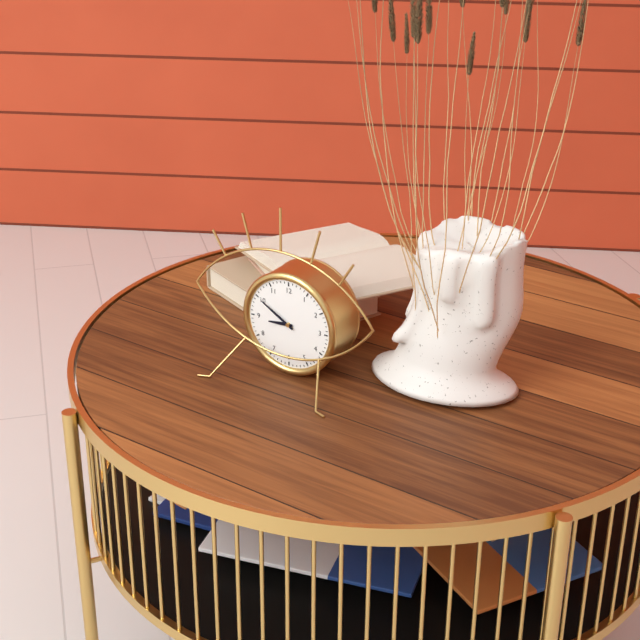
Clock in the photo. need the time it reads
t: 8:50
